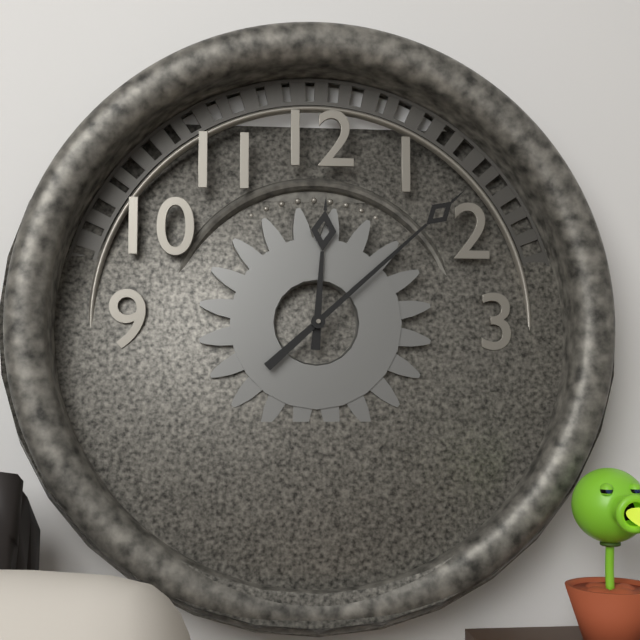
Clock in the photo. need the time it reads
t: 12:08
